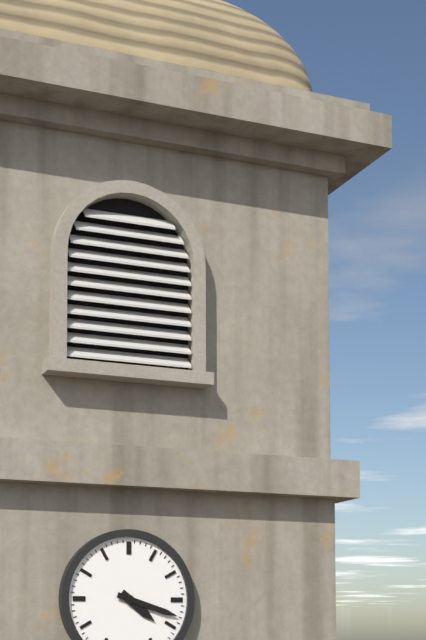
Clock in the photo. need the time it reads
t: 4:18
